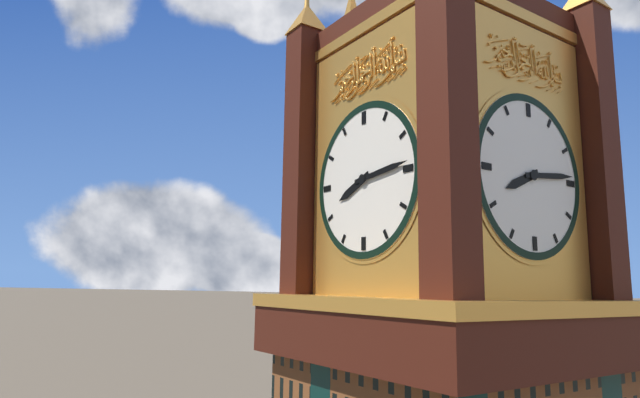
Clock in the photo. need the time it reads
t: 8:14
